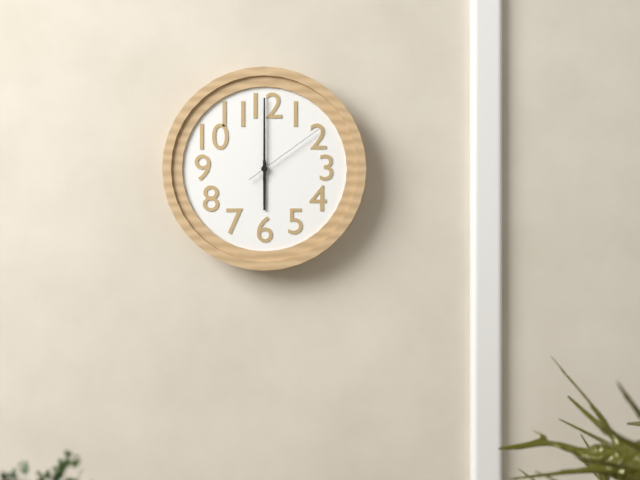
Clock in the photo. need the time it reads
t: 6:00:09
